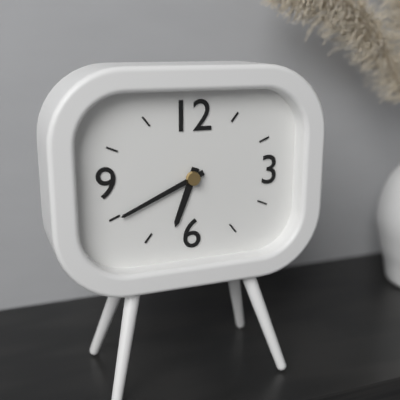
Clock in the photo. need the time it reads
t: 6:41
